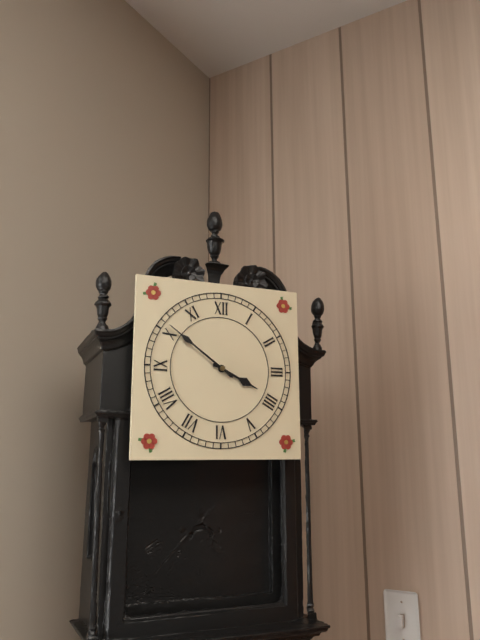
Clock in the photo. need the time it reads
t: 3:51
